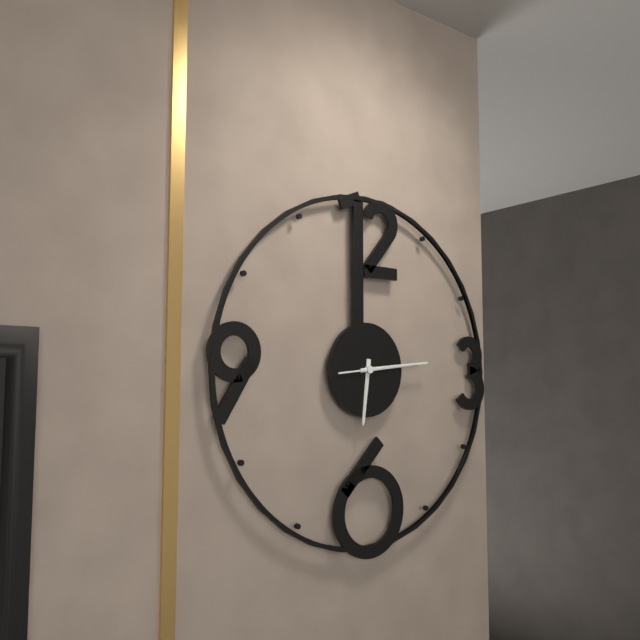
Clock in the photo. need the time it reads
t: 6:14:14
